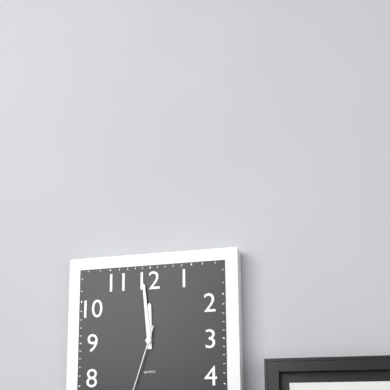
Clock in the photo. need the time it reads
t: 11:59
